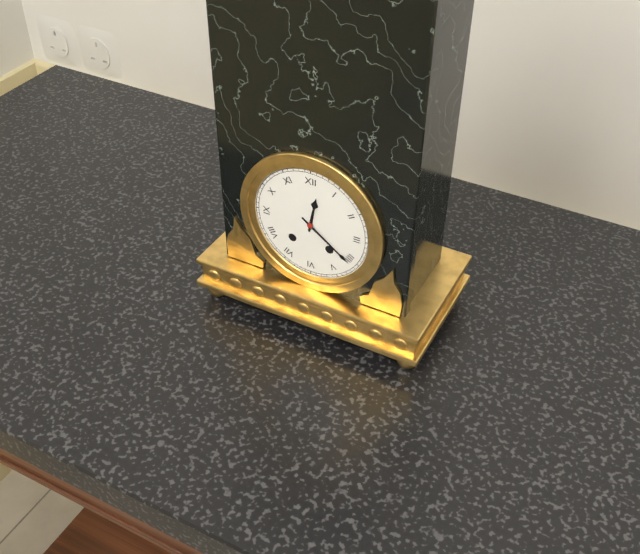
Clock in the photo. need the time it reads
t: 12:21
